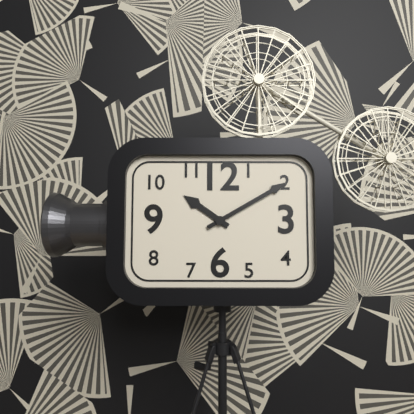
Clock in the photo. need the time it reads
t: 10:10
